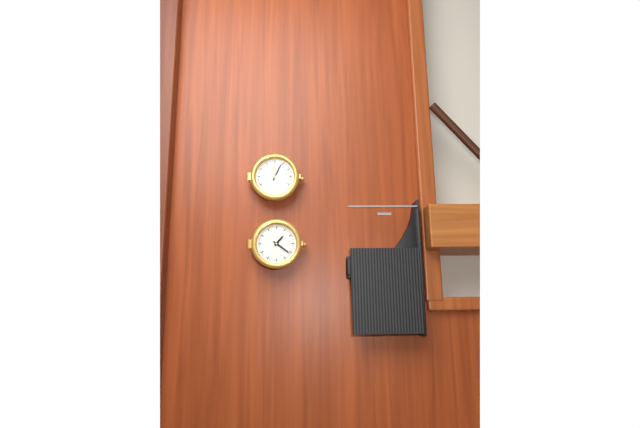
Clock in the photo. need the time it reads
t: 1:21
